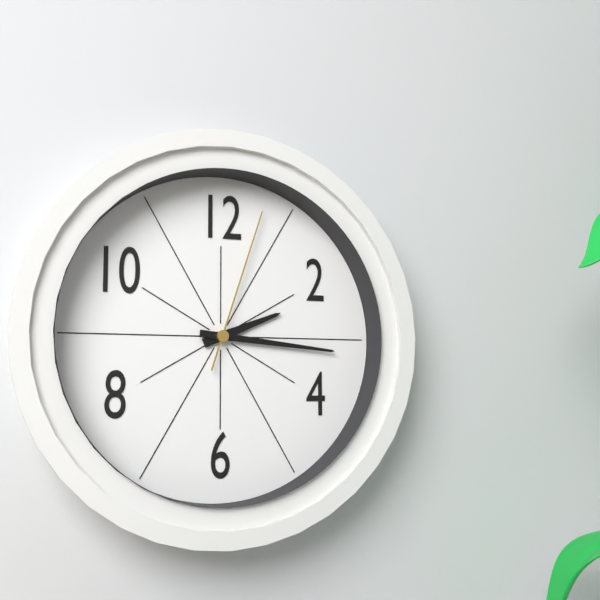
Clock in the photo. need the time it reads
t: 2:16:03
